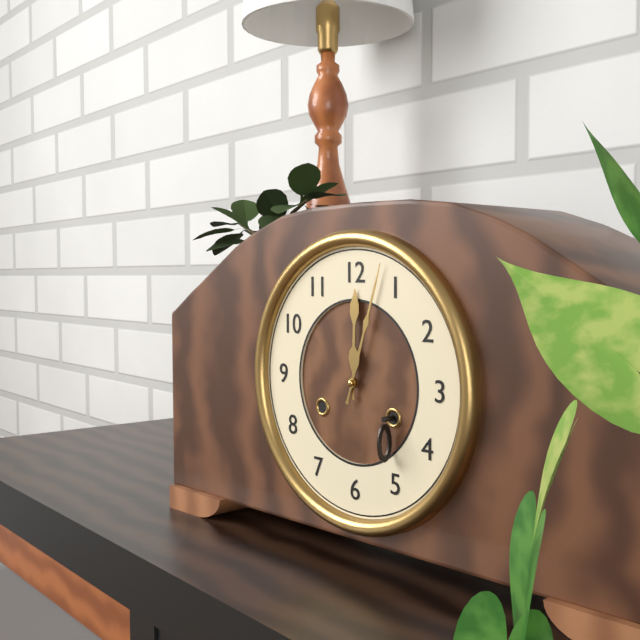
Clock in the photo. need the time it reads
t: 12:03
